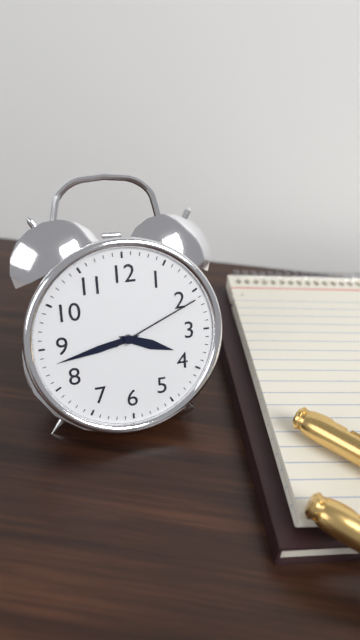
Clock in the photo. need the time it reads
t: 3:43:11
